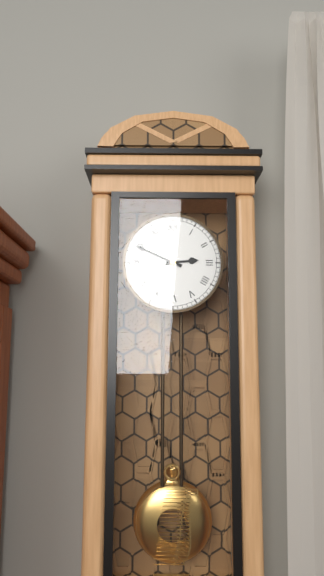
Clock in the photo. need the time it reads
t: 2:49
